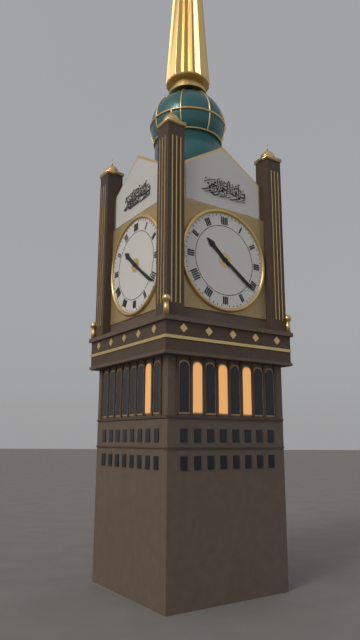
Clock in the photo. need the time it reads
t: 10:21
